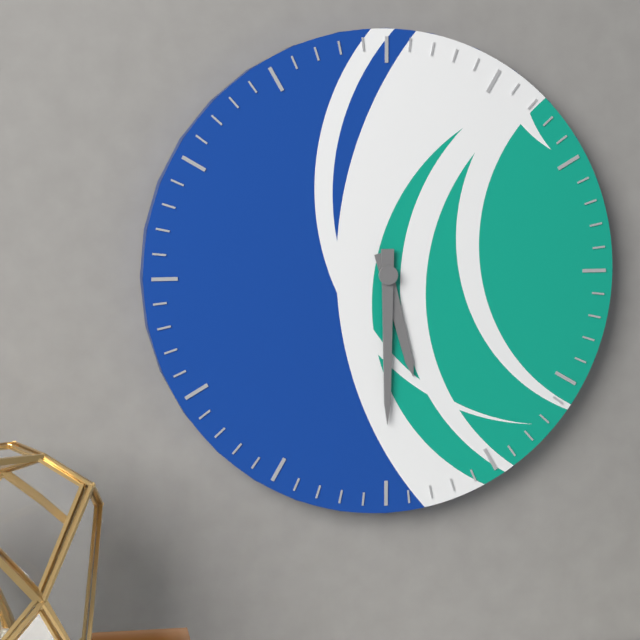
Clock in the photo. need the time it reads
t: 5:30
